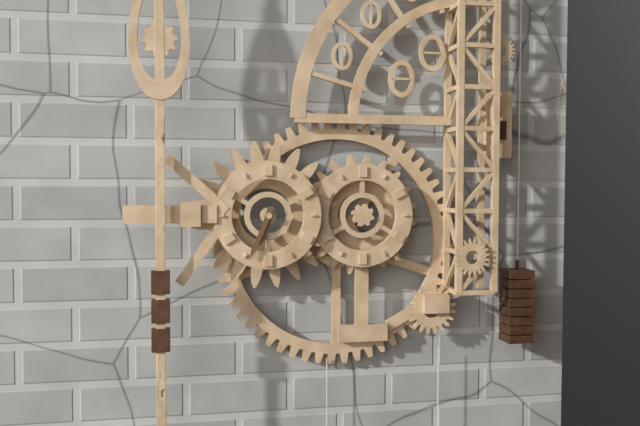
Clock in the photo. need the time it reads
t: 6:34
